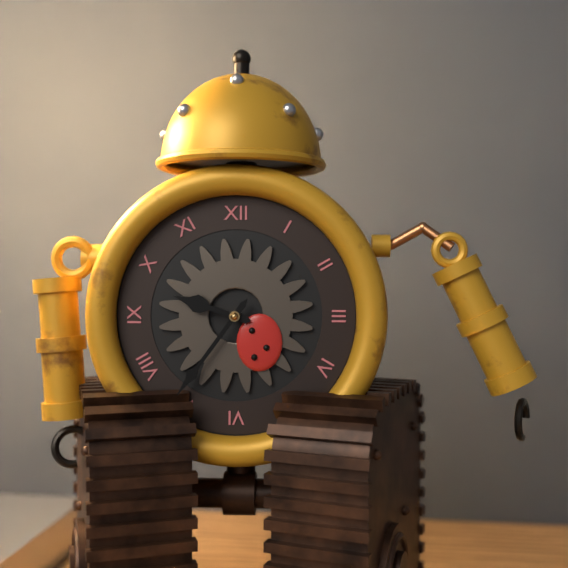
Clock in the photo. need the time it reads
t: 9:36
